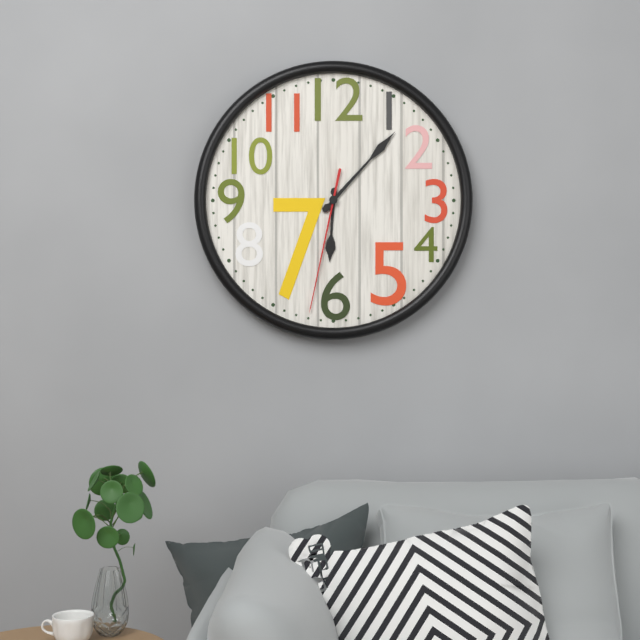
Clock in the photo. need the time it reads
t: 6:07:32
